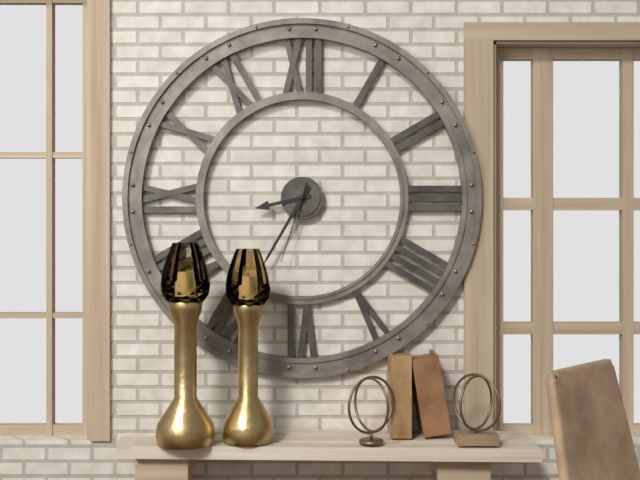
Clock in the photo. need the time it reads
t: 8:35:33
